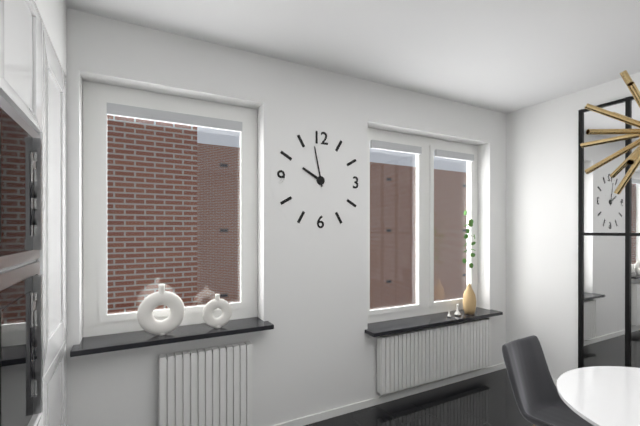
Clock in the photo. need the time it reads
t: 9:58
